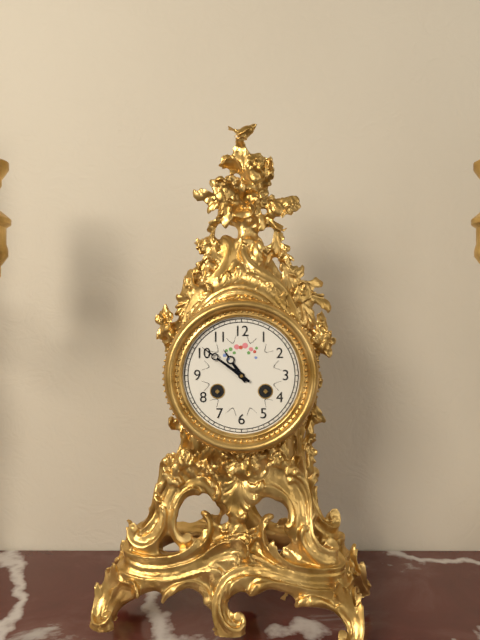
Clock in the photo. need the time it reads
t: 10:51
